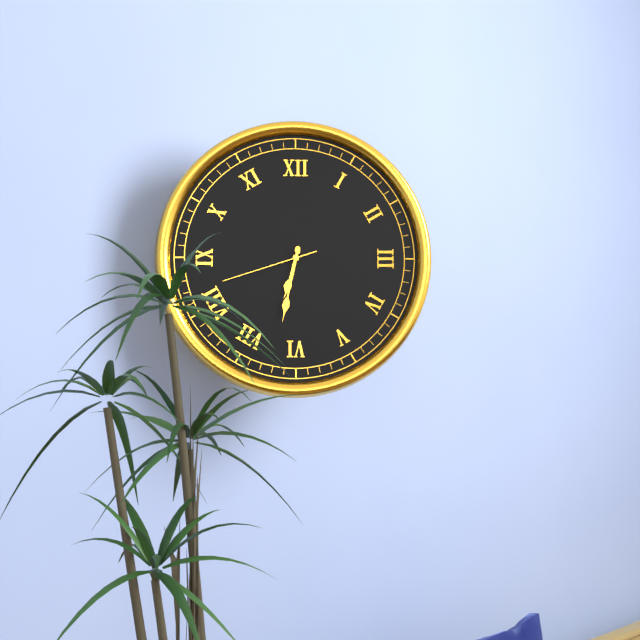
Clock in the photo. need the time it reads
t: 6:32:42
